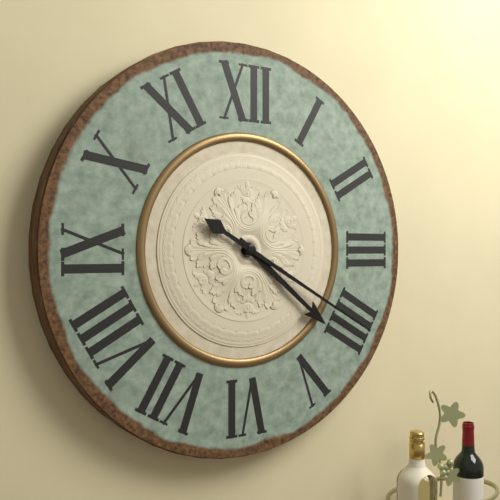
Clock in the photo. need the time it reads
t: 4:20
